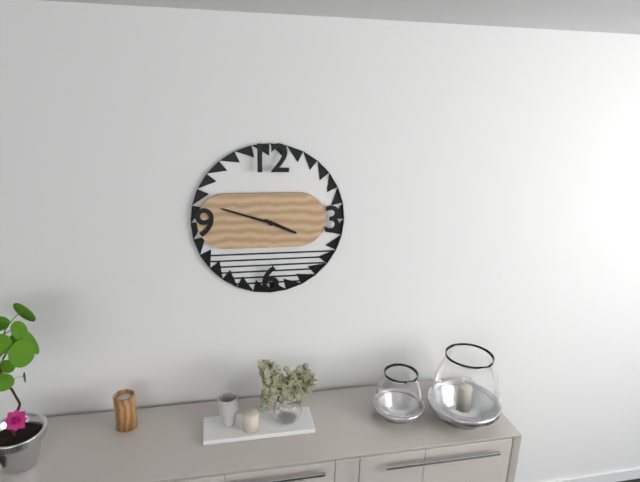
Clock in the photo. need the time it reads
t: 3:48
